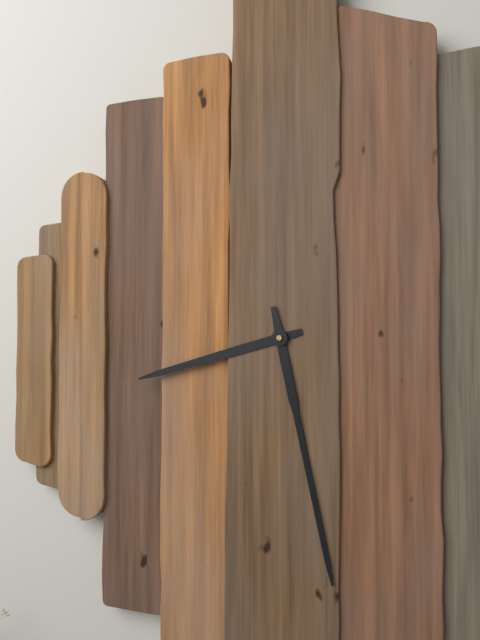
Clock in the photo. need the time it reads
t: 8:28
